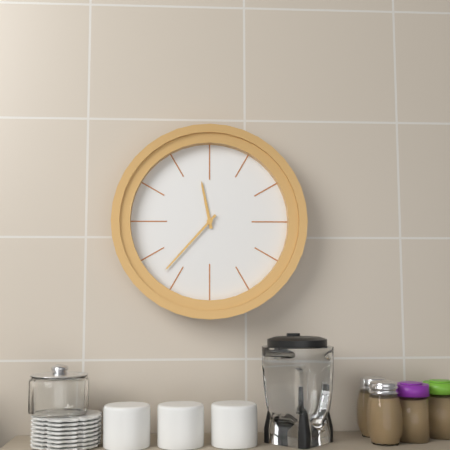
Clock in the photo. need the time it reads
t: 11:37
